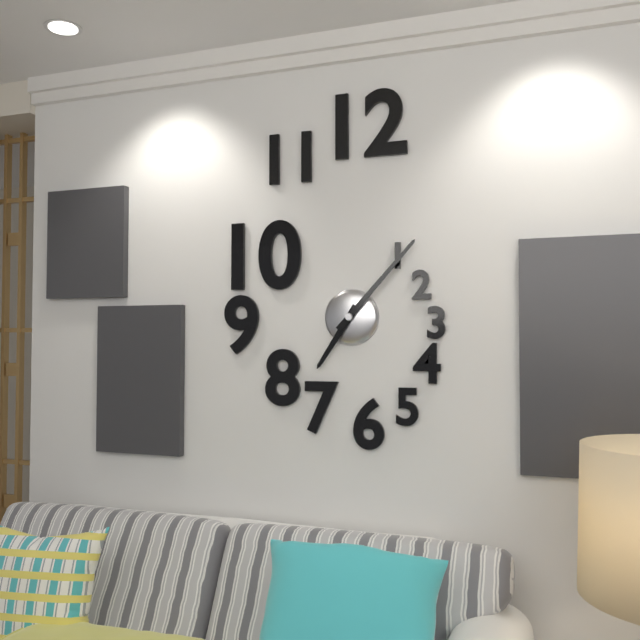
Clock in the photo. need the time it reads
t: 7:07
